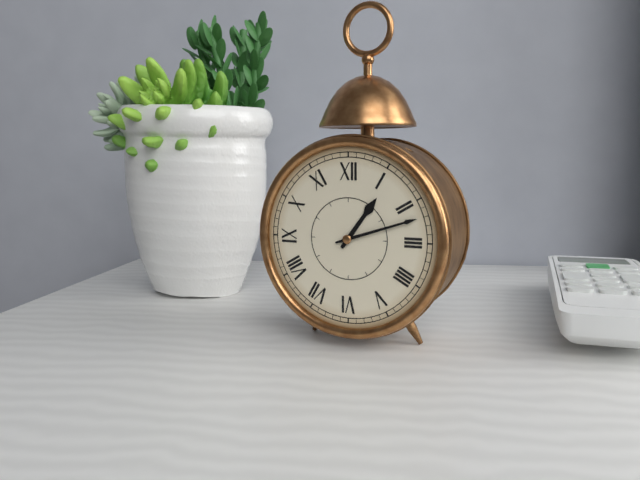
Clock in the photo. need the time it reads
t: 1:12
